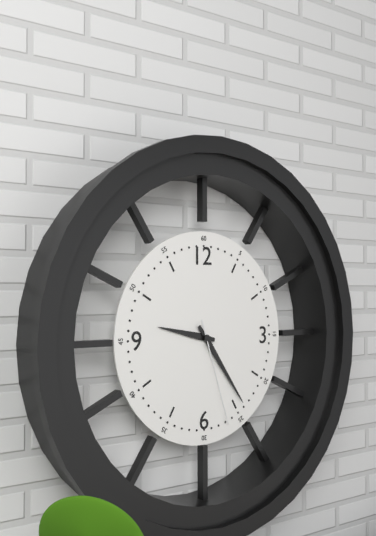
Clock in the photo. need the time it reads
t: 9:24:27
